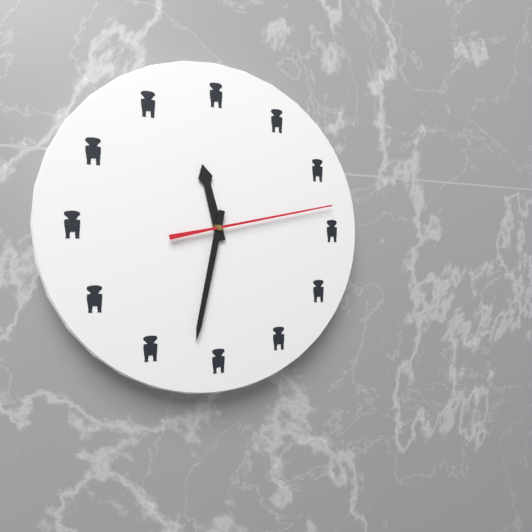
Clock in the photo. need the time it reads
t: 11:32:13
